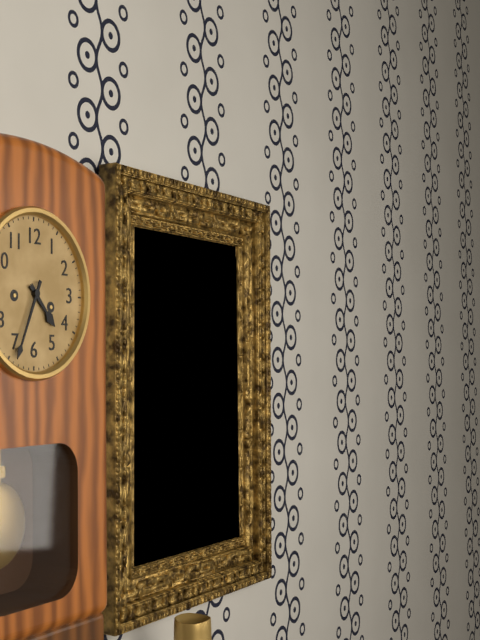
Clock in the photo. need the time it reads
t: 4:34
